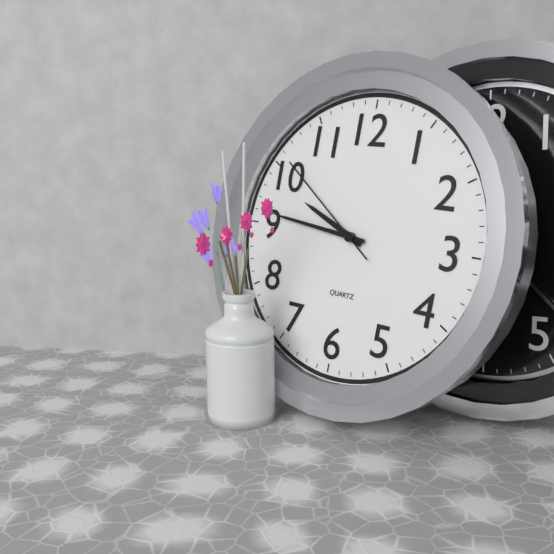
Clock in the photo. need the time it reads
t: 9:46:51
